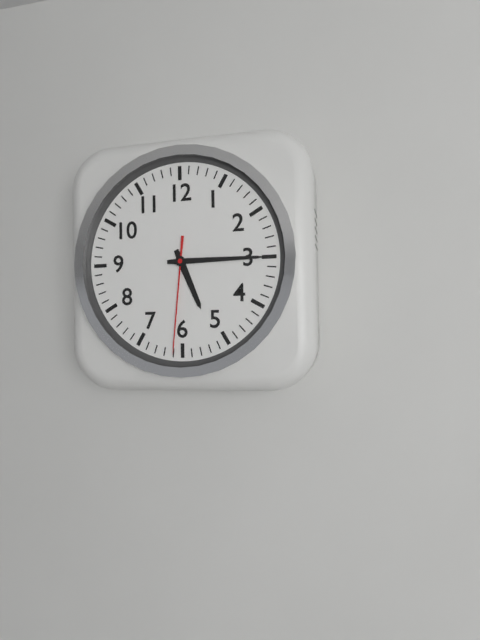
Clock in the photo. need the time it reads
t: 5:15:31
